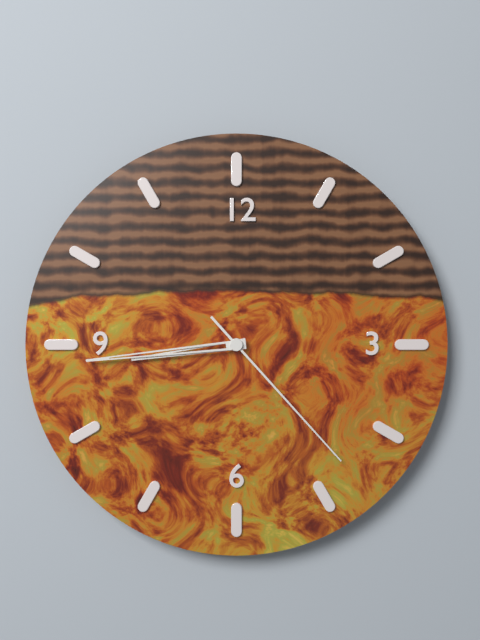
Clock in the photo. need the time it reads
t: 8:44:23
